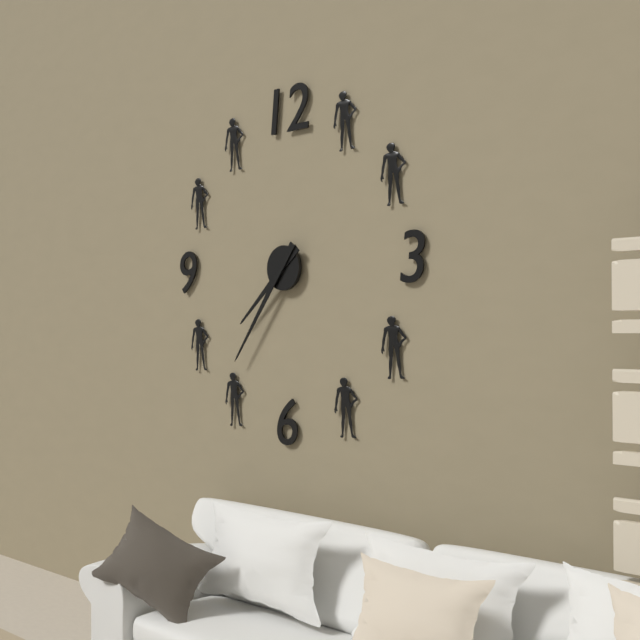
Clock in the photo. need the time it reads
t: 7:36
